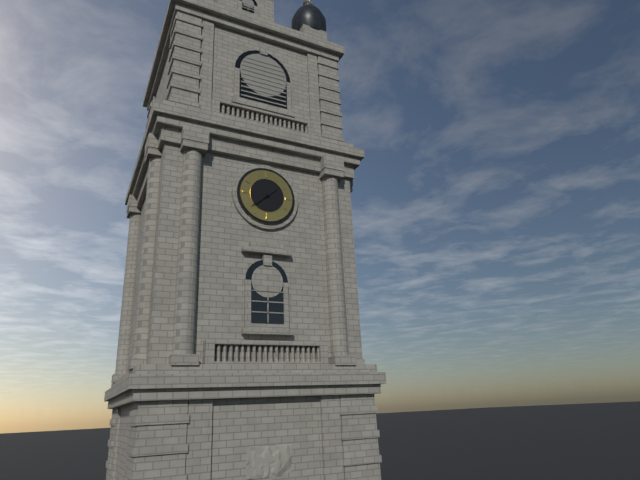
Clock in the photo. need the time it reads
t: 1:38
